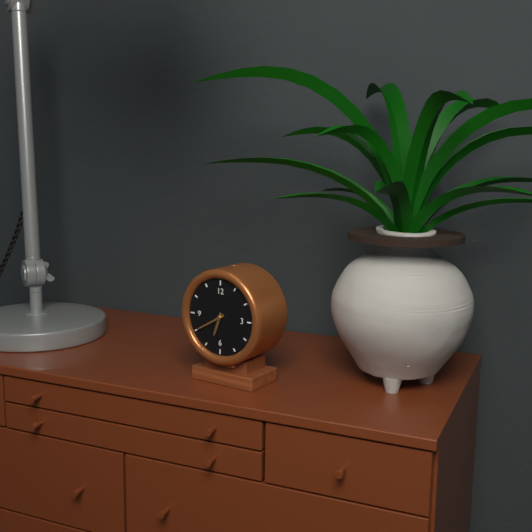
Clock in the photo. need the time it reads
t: 6:40
